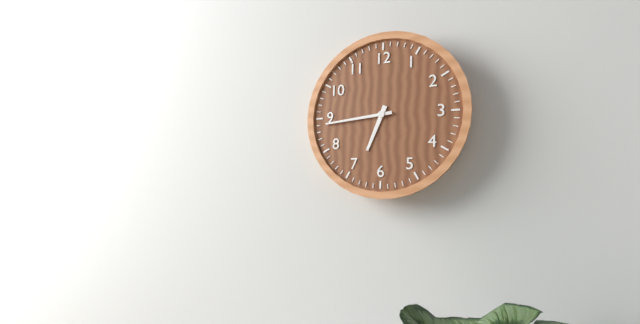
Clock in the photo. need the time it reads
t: 6:44
